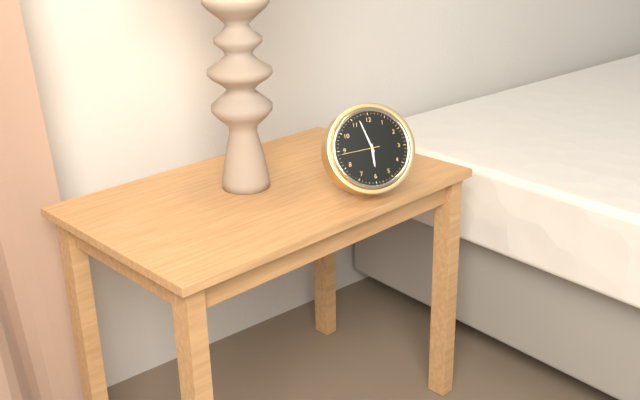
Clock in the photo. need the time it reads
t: 5:57
